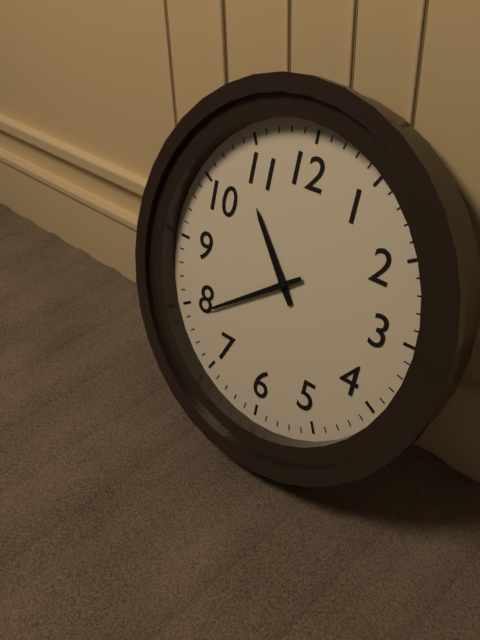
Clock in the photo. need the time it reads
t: 10:39
